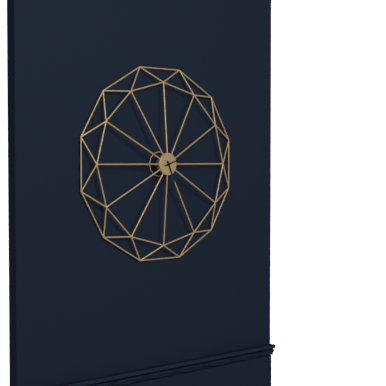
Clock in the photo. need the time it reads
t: 5:12
